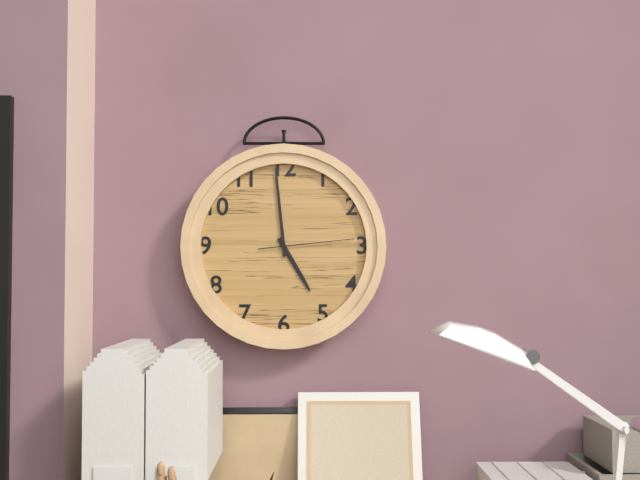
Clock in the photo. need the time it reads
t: 4:59:14
